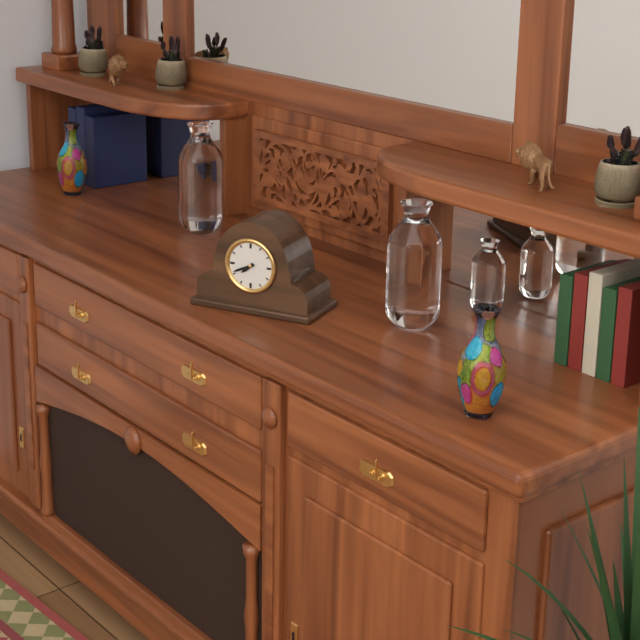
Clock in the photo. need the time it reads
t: 7:41
